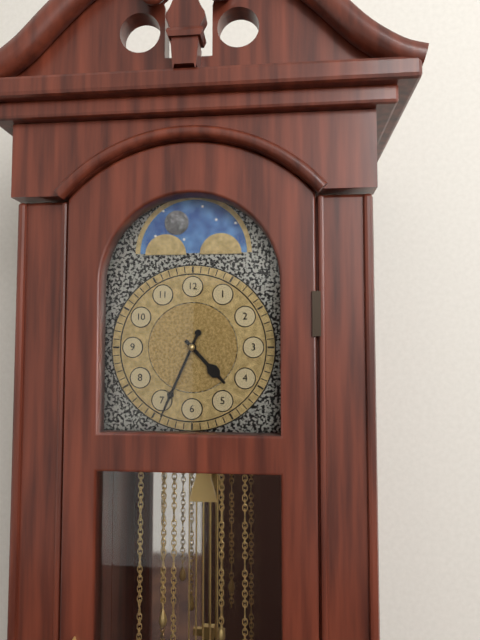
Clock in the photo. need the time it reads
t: 4:34
